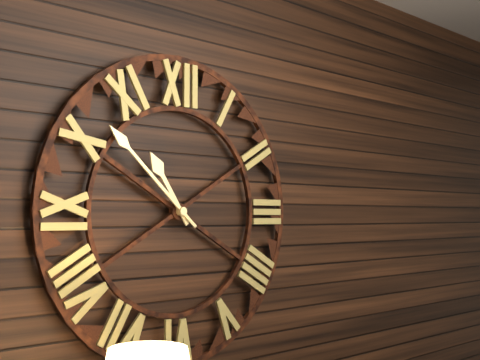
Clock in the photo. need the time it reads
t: 10:52
